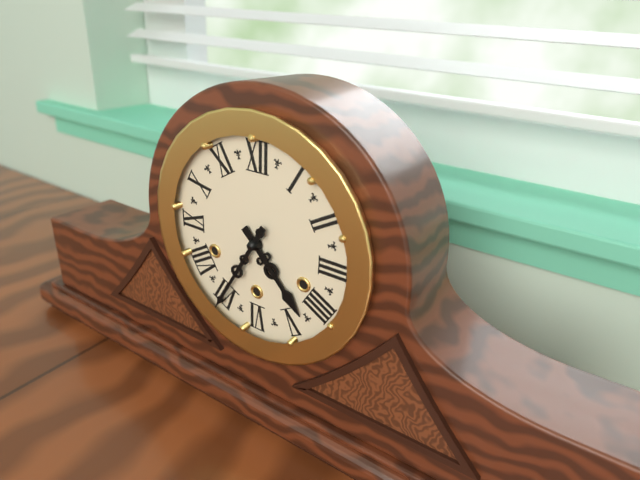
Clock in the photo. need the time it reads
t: 4:35
